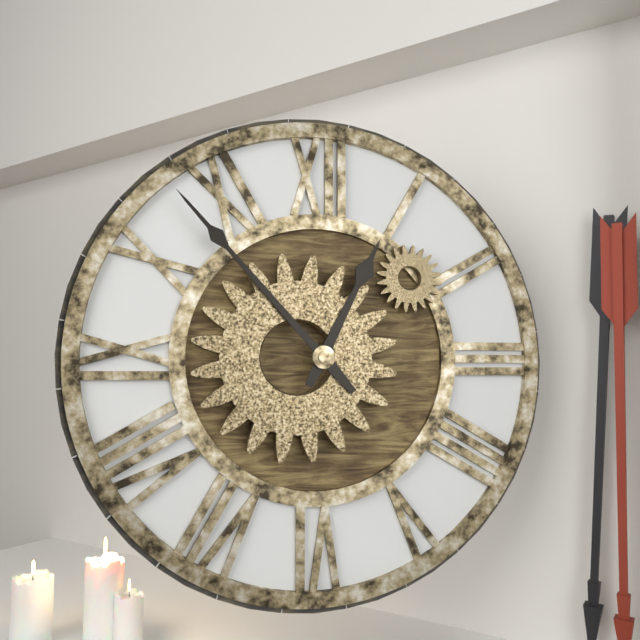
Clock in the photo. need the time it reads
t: 12:53
